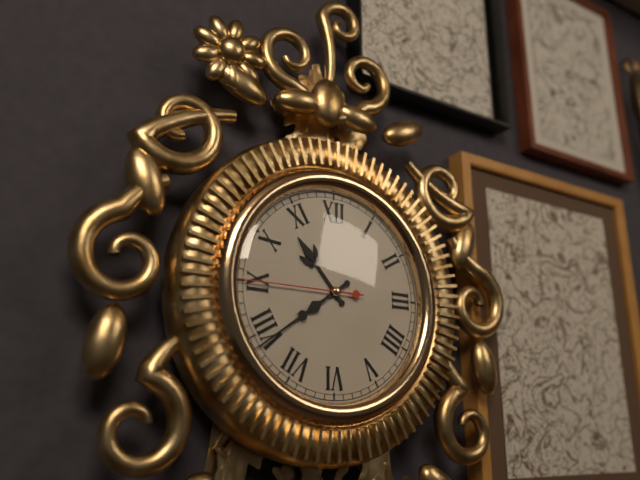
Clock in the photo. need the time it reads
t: 10:39:45
